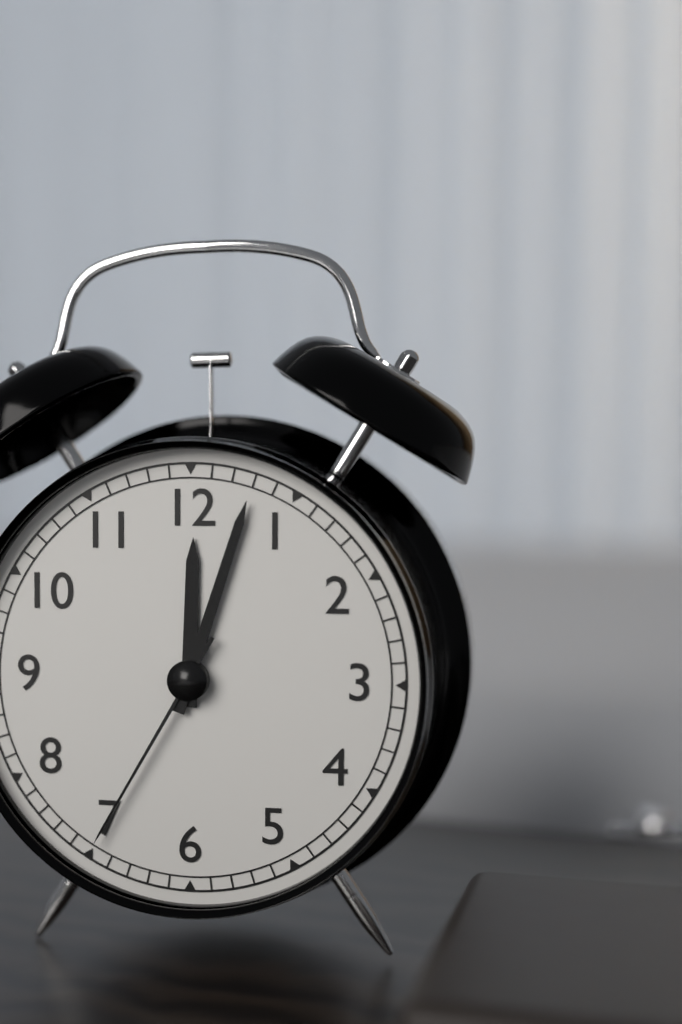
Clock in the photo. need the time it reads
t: 12:03:35
